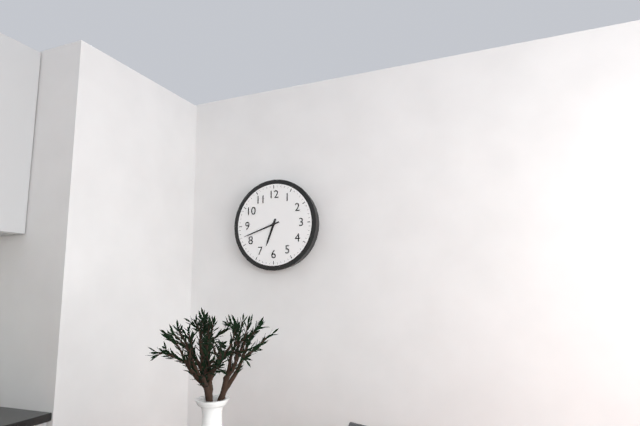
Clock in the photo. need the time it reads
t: 6:42
